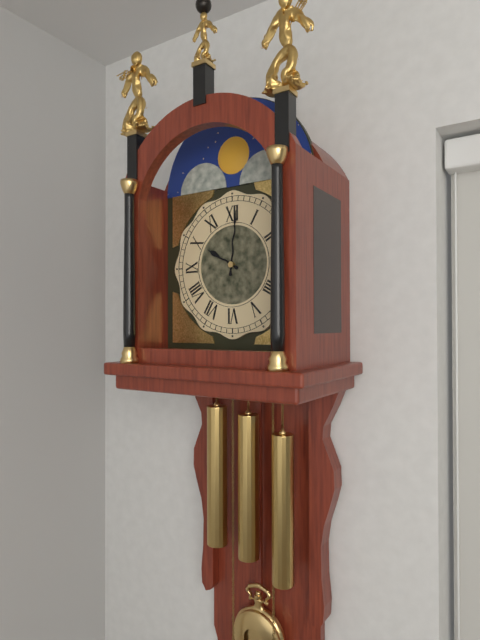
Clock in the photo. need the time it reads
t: 10:01
